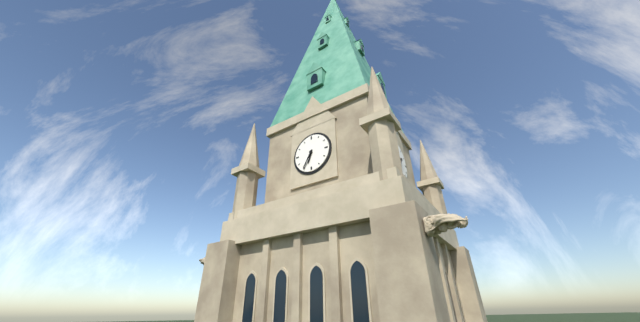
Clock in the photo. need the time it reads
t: 6:35
